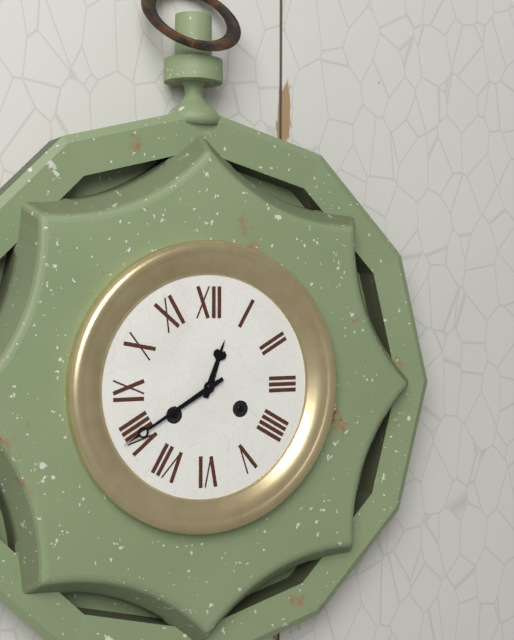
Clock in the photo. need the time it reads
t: 12:40
